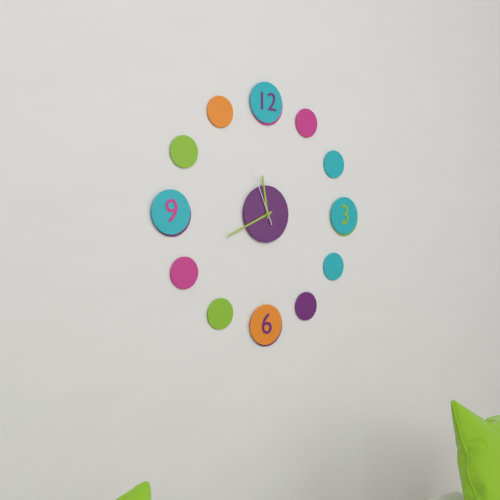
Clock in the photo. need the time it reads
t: 11:41:56
